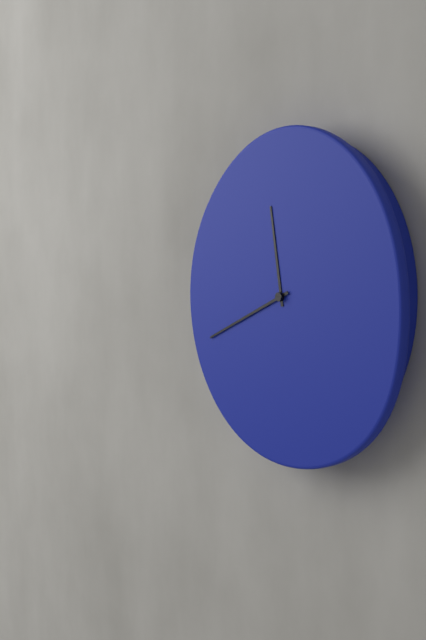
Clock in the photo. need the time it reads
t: 11:41
